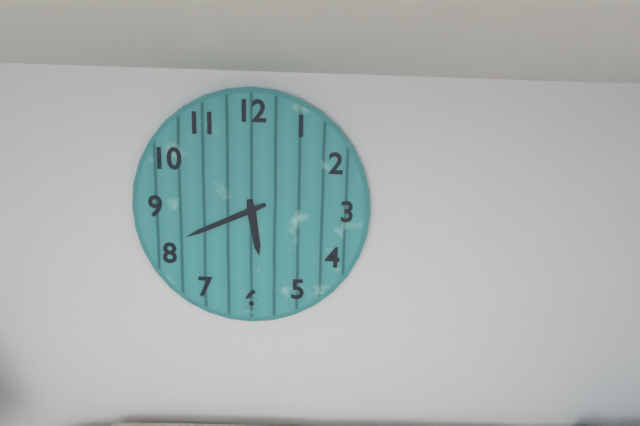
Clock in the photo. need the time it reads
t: 5:41
